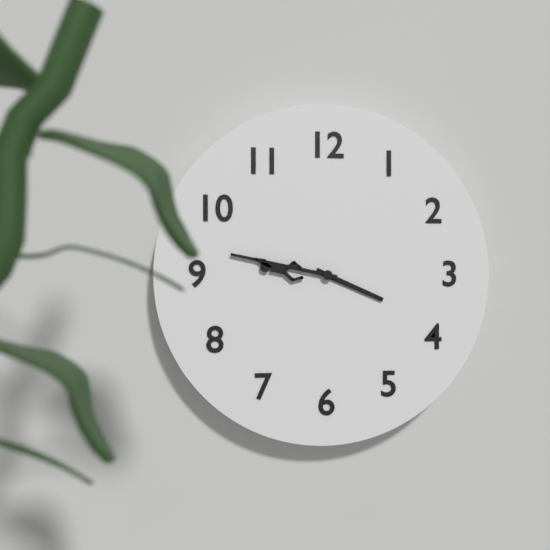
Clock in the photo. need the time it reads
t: 3:47
